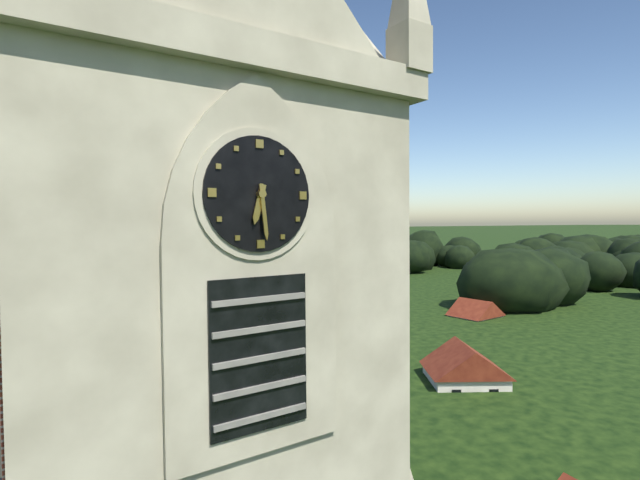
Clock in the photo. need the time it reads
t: 6:29
